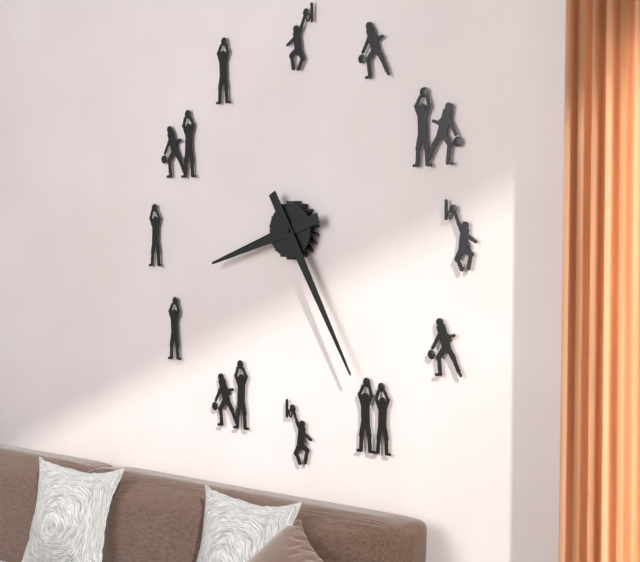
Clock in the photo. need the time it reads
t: 8:25
